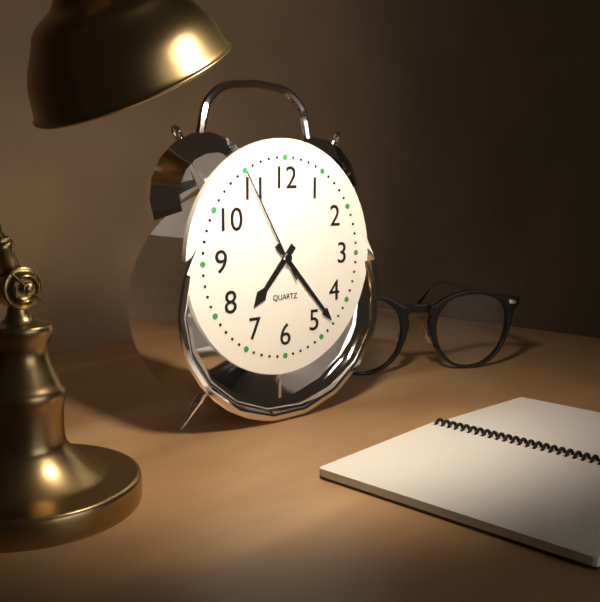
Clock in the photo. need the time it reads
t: 7:23:55
